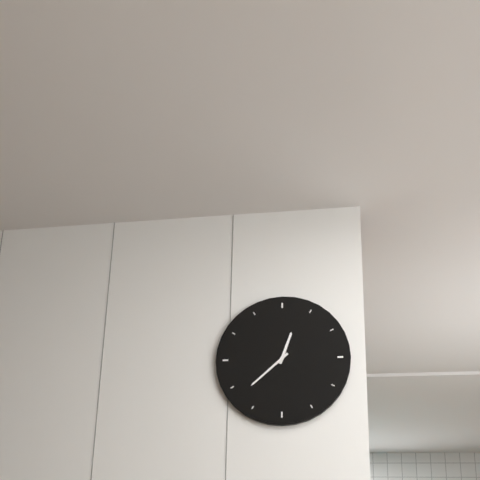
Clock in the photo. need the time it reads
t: 12:38
